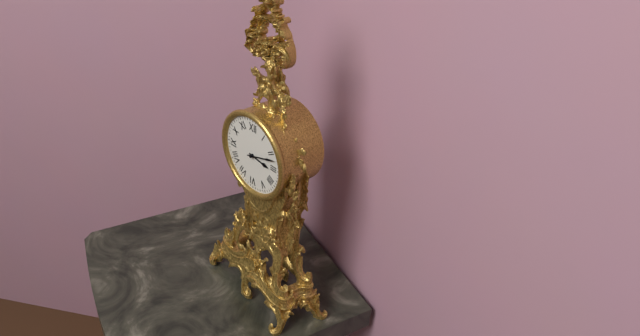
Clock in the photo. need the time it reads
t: 3:12
